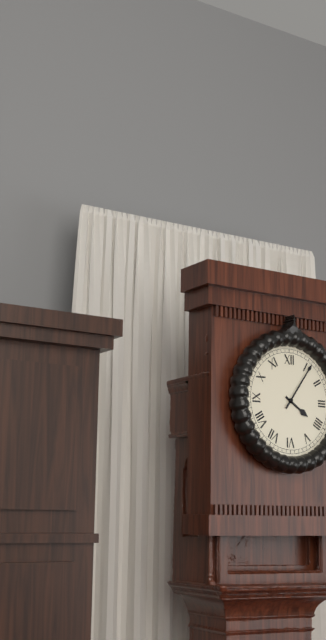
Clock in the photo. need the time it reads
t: 4:06
